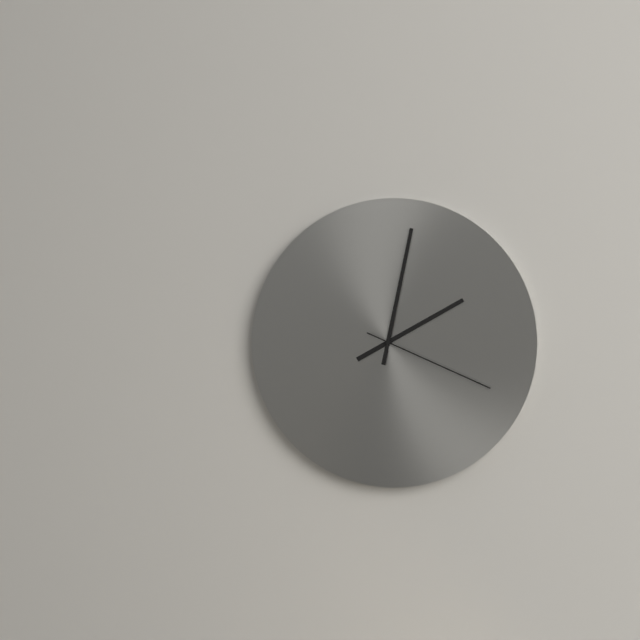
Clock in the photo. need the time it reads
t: 2:02:19
